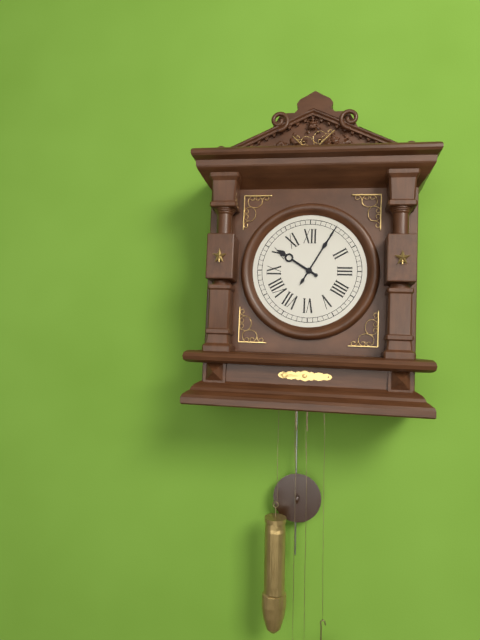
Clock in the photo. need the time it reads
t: 10:05
